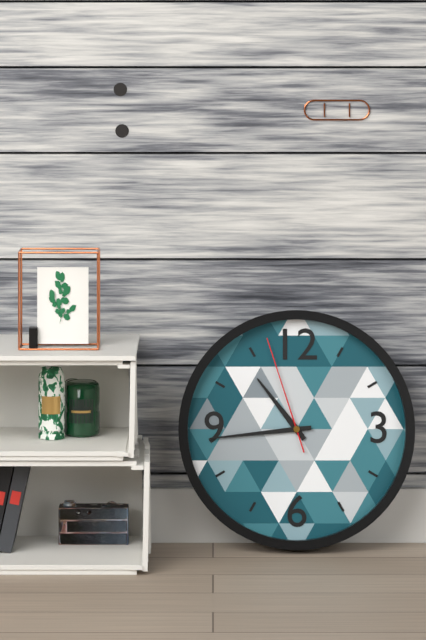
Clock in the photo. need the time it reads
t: 10:44:57
